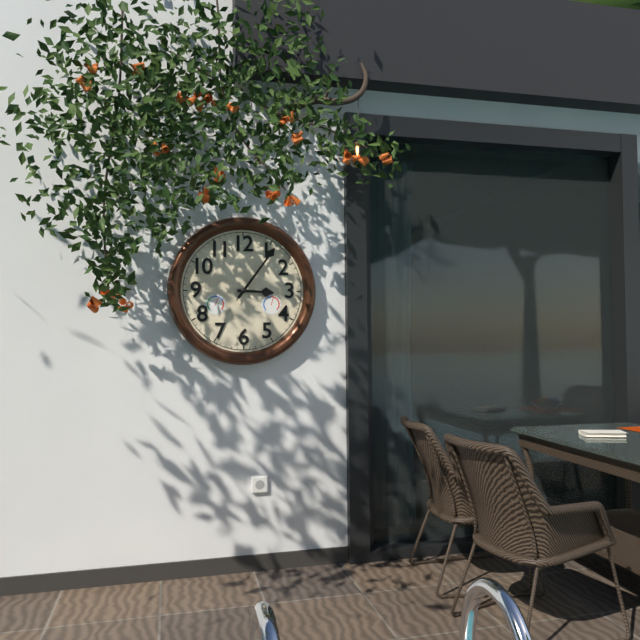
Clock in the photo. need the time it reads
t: 3:06:06
